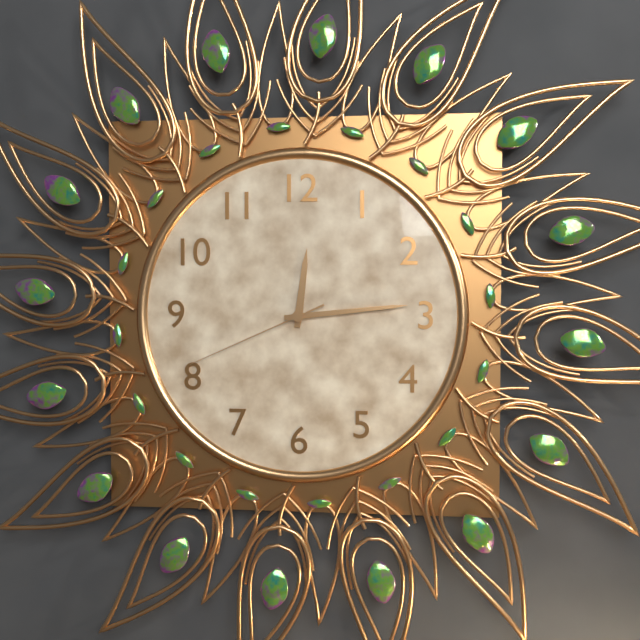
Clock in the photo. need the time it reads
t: 12:14:41
